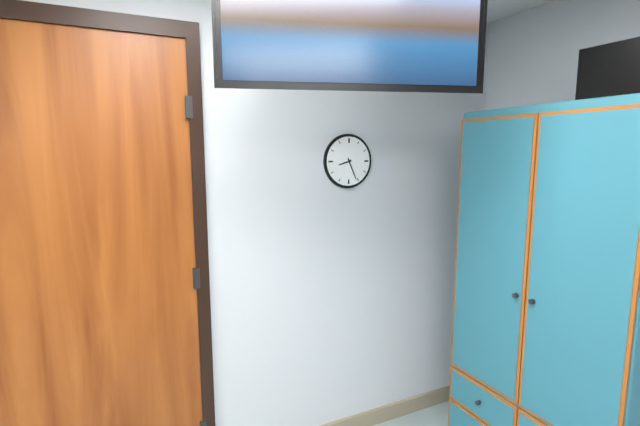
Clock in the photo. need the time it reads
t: 8:26
